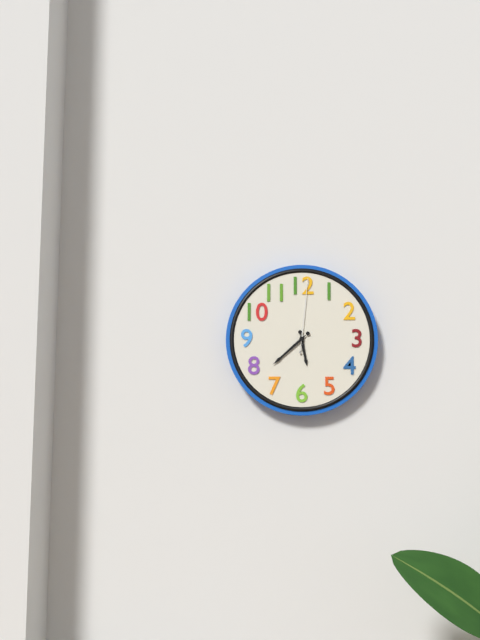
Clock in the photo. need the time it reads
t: 5:38:01
